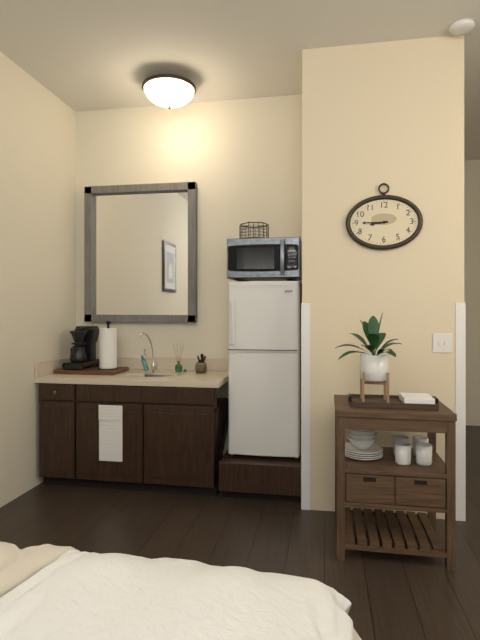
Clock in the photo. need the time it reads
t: 8:45
